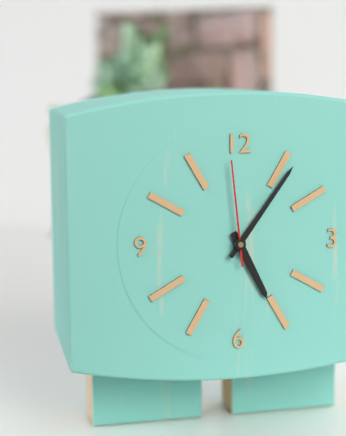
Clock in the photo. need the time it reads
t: 5:06:59
